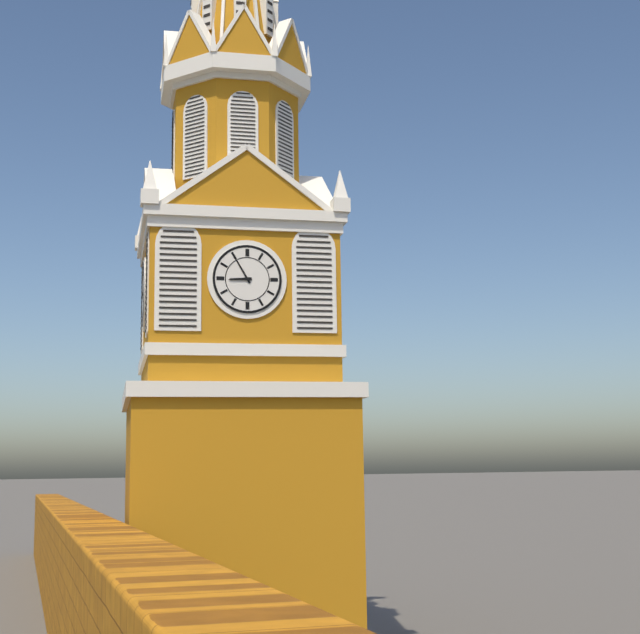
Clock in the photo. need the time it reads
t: 8:55
